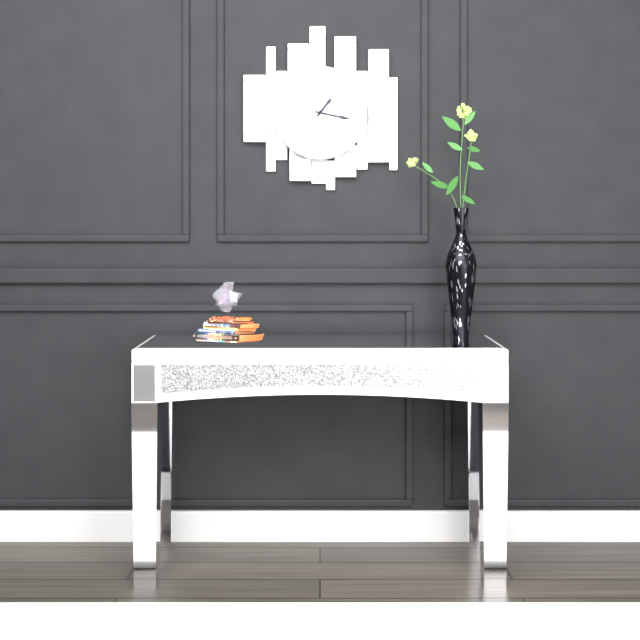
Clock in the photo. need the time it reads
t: 1:17
